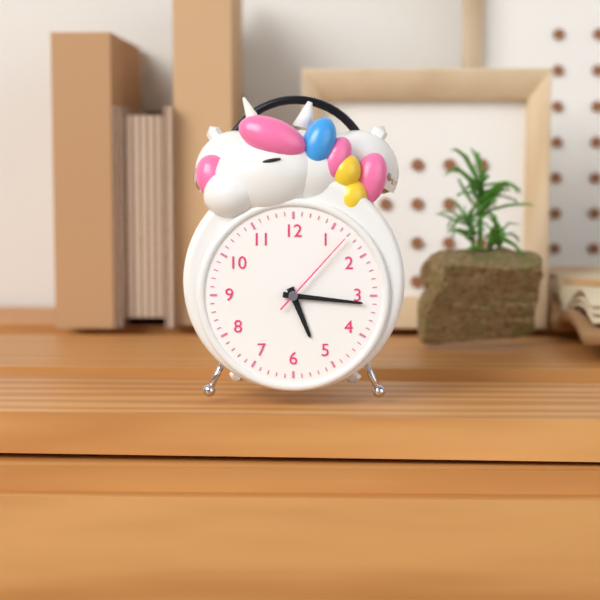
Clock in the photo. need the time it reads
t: 5:16:07
